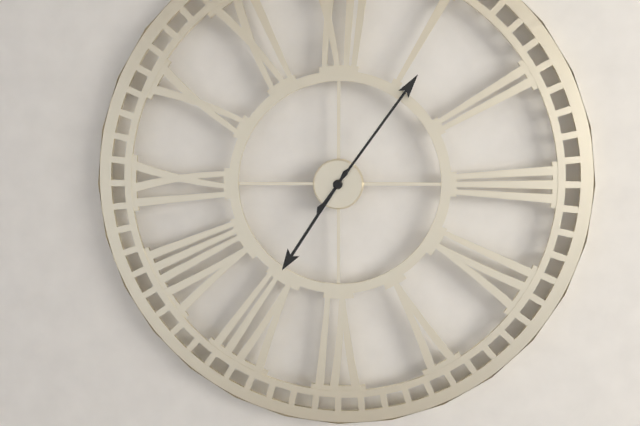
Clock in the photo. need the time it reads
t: 7:06
